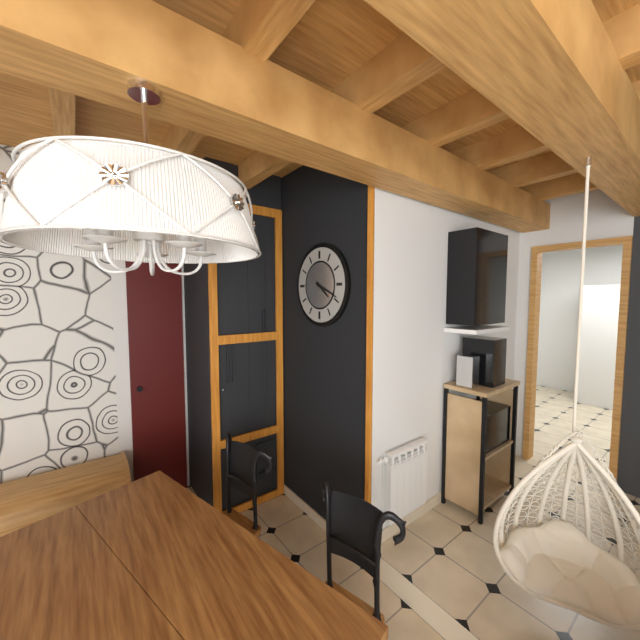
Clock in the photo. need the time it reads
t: 4:19
